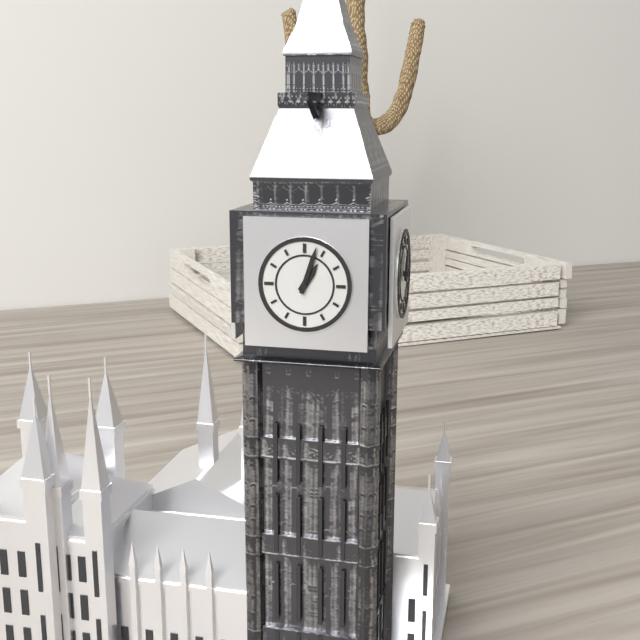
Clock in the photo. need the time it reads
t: 1:03
